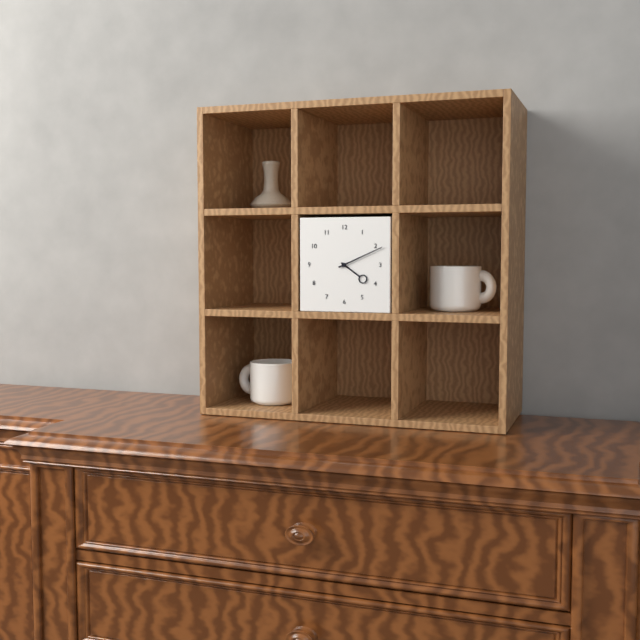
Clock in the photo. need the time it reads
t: 4:11
